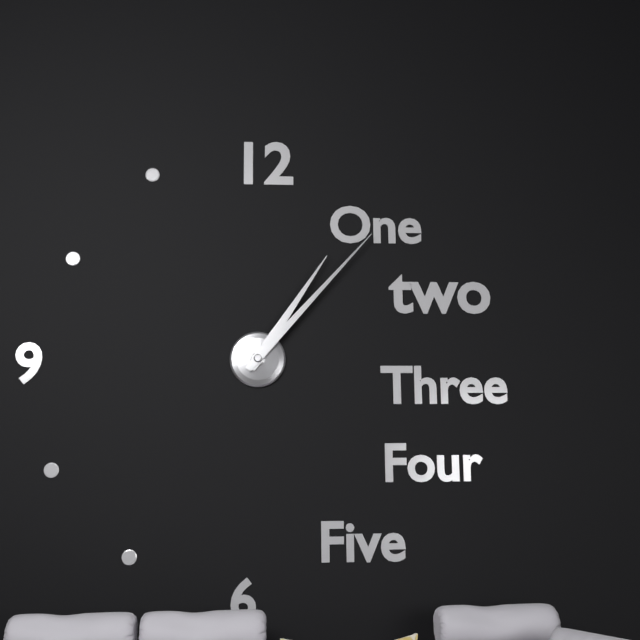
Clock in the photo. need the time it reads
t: 1:07
